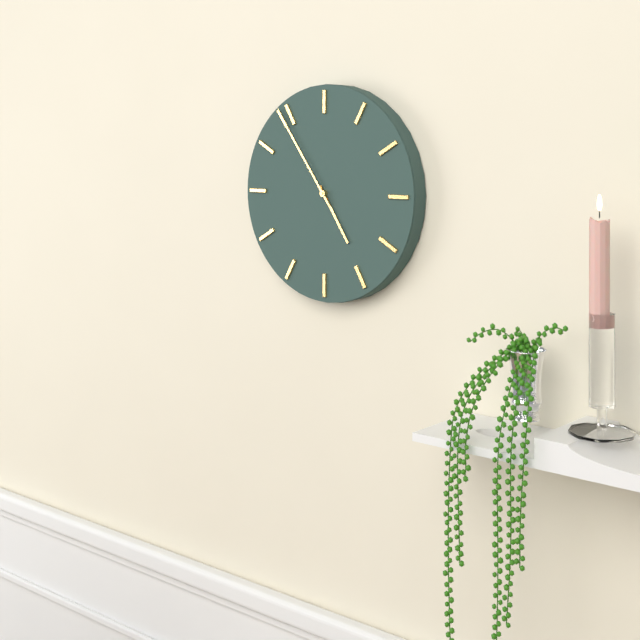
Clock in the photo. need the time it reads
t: 4:54
